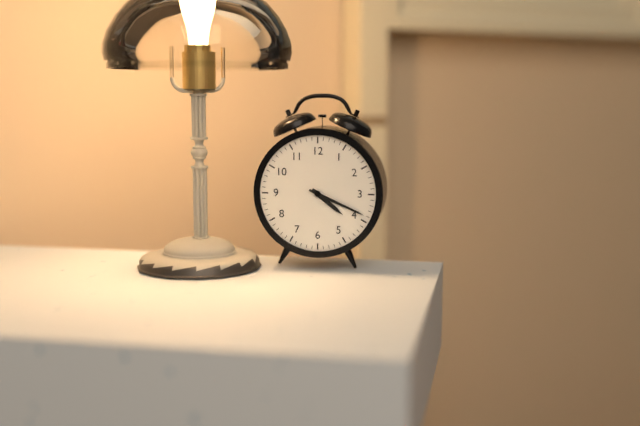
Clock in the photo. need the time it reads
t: 4:19
